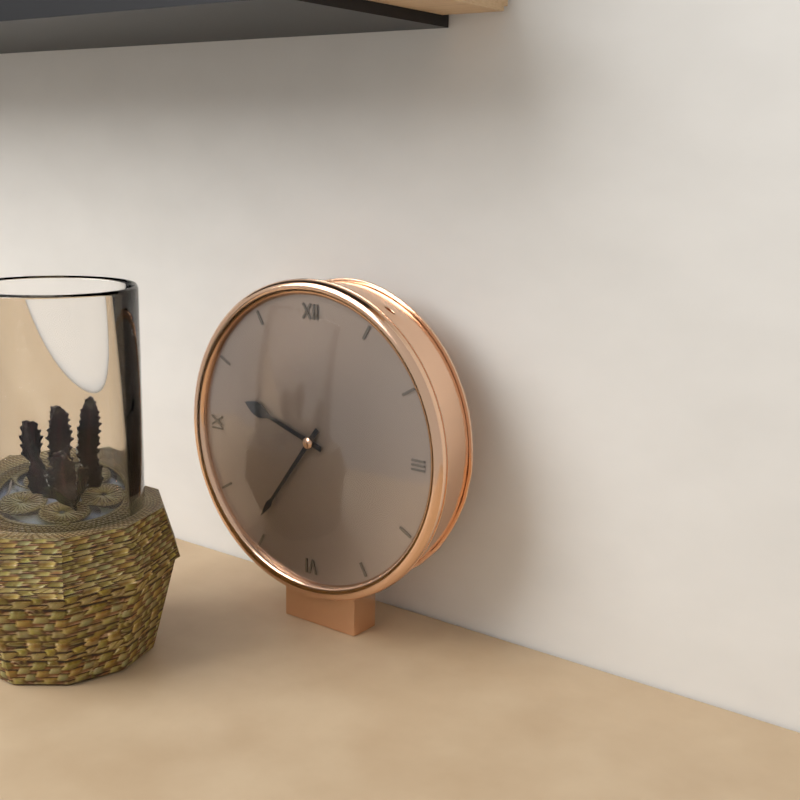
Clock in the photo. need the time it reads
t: 9:36
